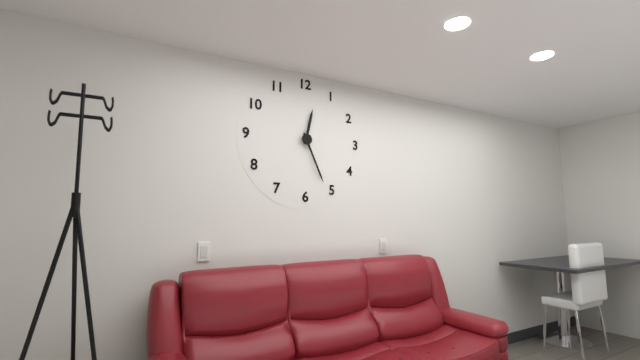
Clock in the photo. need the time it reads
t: 12:26
